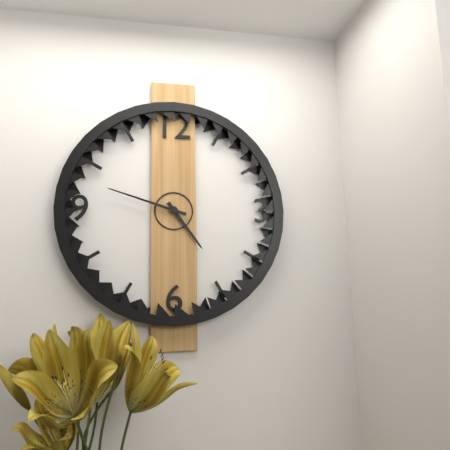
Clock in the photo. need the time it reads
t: 4:48
